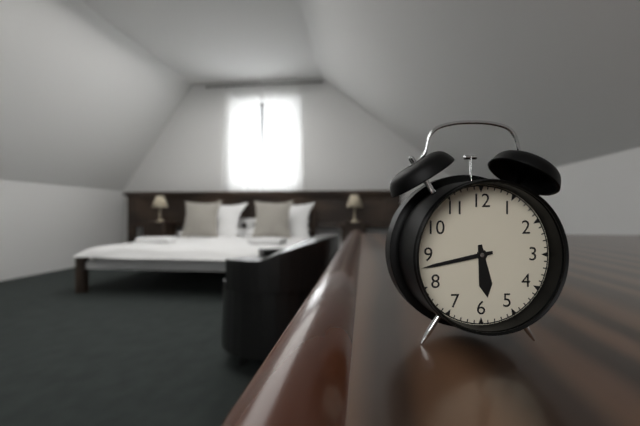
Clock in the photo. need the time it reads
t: 5:43
